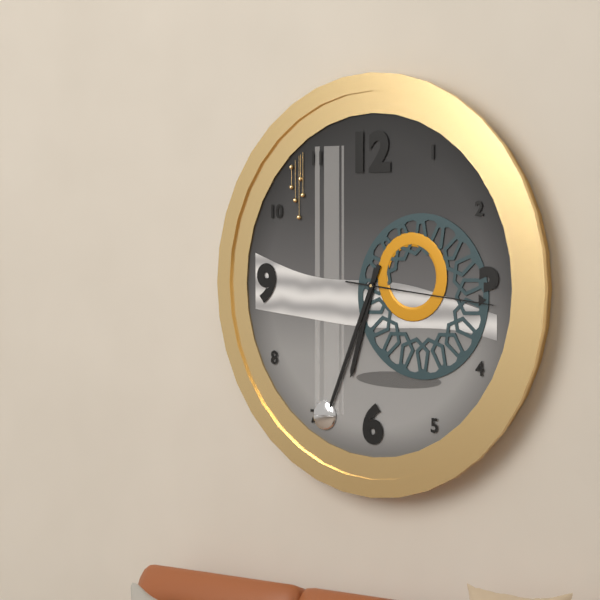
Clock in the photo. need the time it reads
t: 6:34:16
